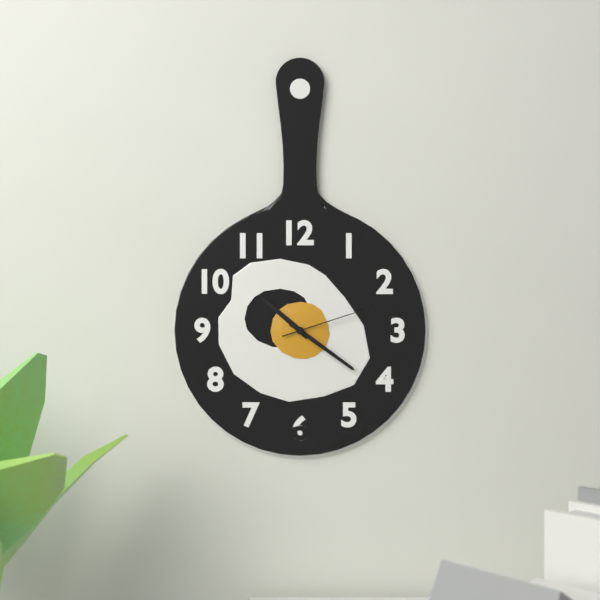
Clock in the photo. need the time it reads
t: 10:21:12
